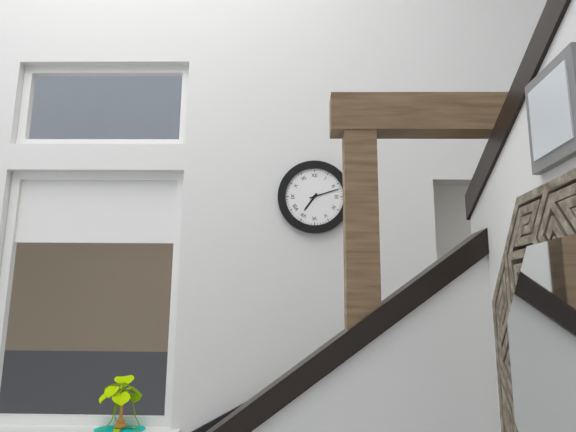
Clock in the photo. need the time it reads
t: 7:12
